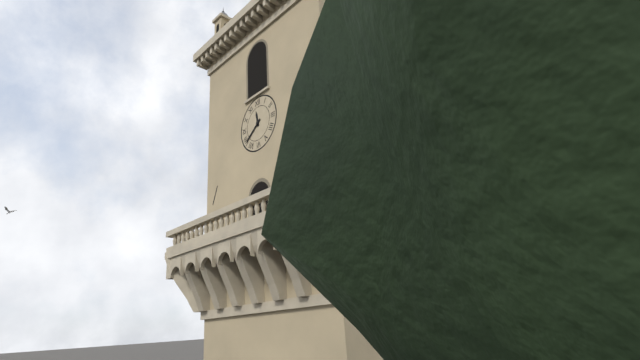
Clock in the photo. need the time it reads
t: 11:39
